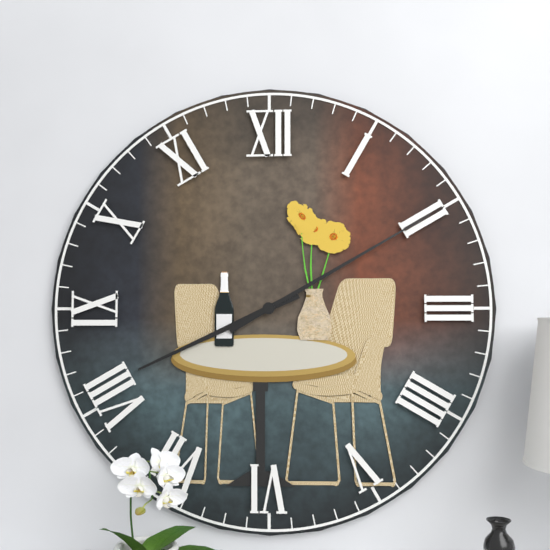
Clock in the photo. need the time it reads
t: 8:10
